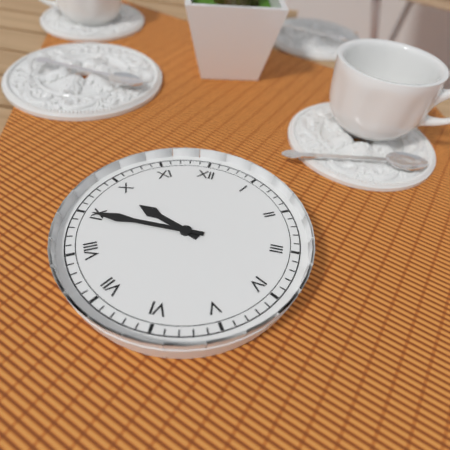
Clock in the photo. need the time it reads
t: 9:45
